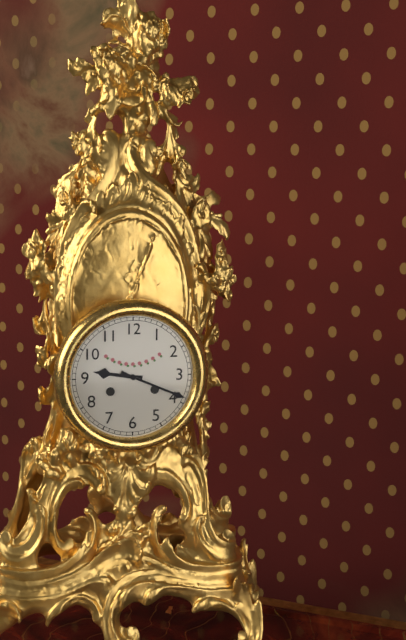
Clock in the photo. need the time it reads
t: 9:19
